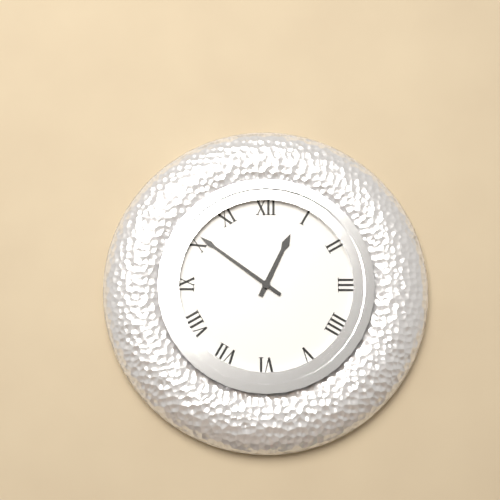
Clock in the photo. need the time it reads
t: 12:51
